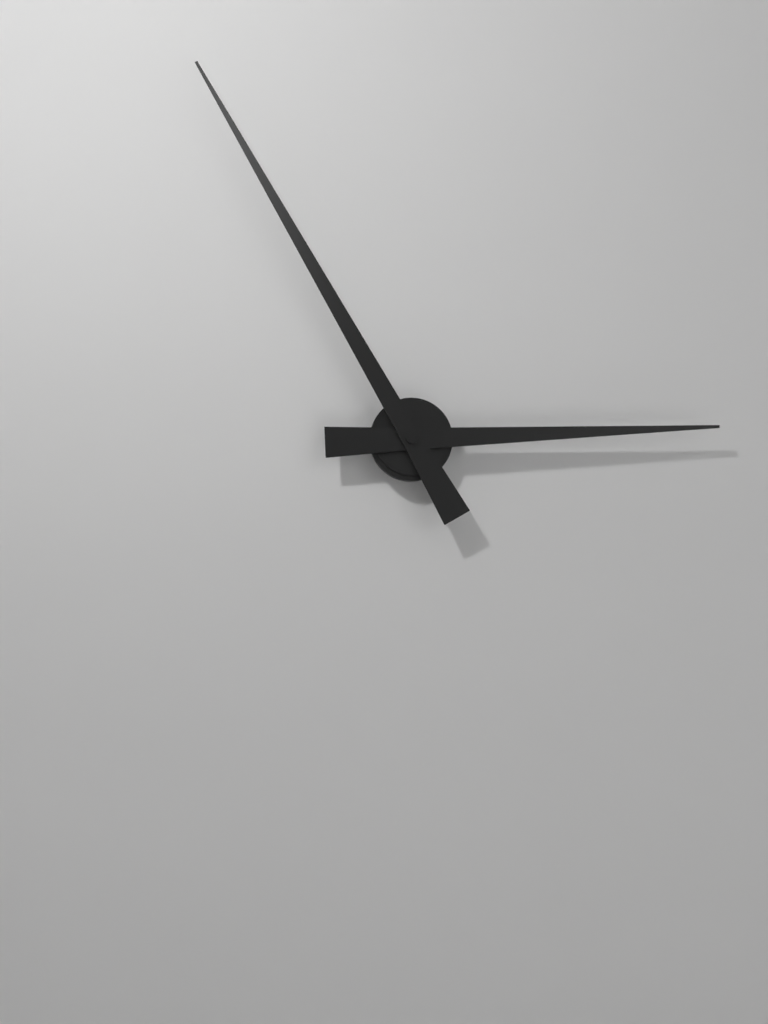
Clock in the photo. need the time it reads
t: 2:55
